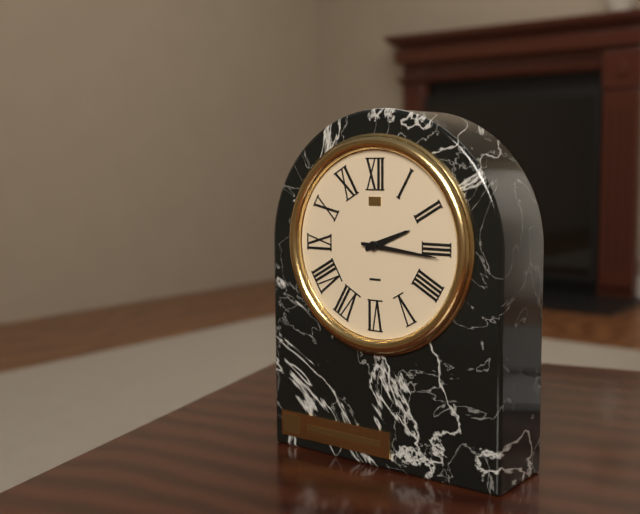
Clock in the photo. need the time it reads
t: 2:16
